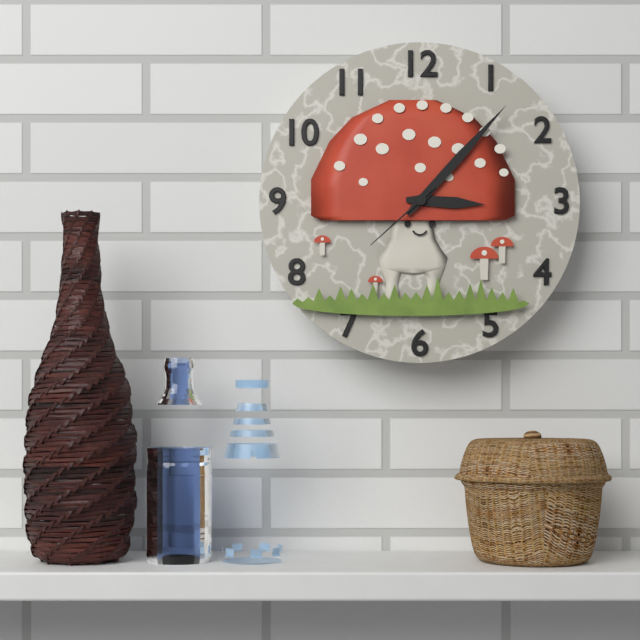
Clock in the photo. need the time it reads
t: 3:07:38
